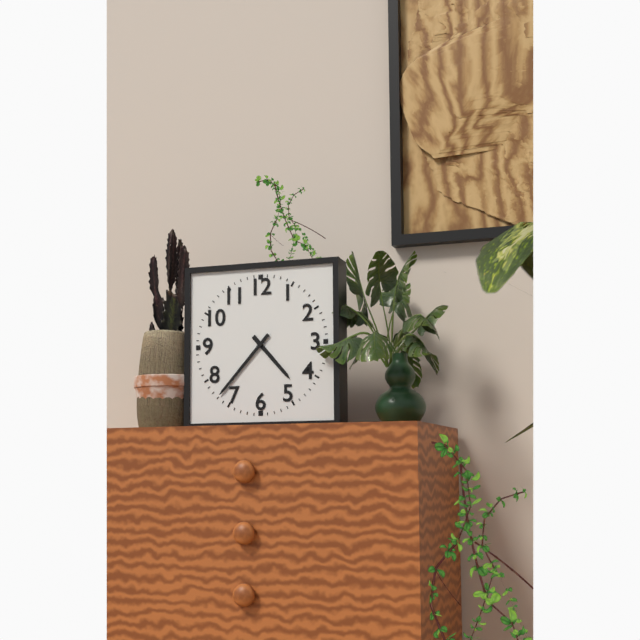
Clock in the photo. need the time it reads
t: 4:37
